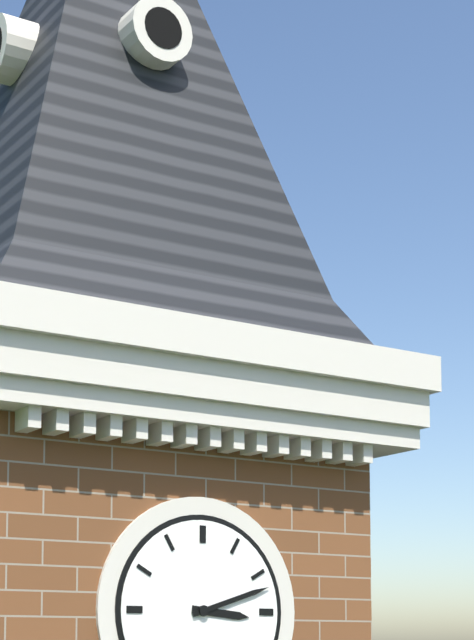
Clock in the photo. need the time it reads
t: 3:12
